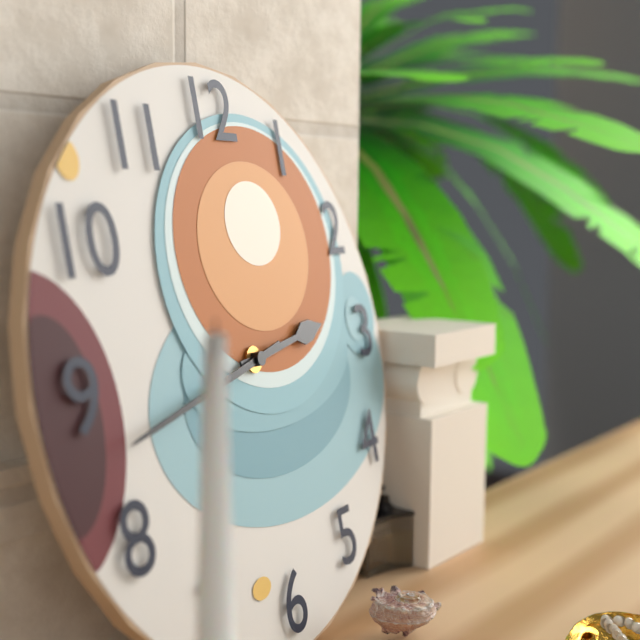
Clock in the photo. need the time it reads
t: 2:43
